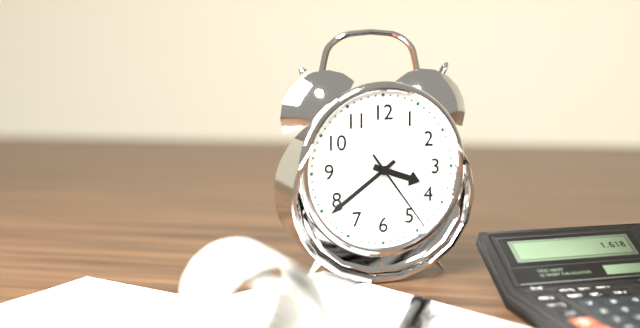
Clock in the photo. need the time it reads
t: 3:39:24
